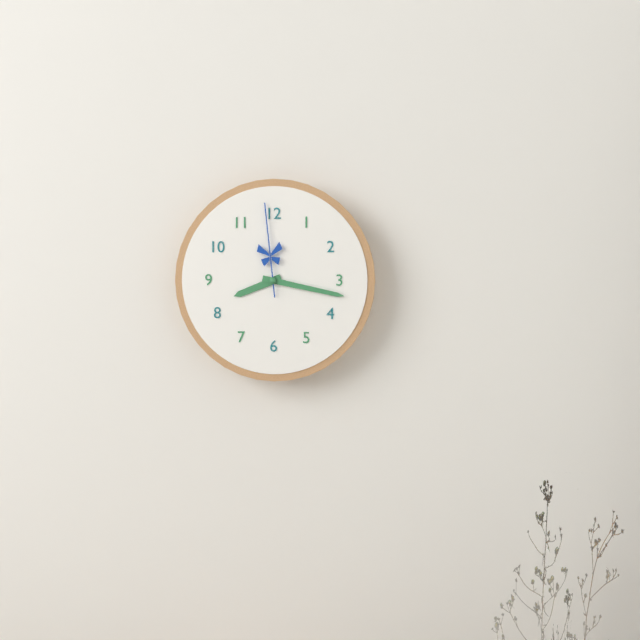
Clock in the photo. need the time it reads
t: 8:17:59
